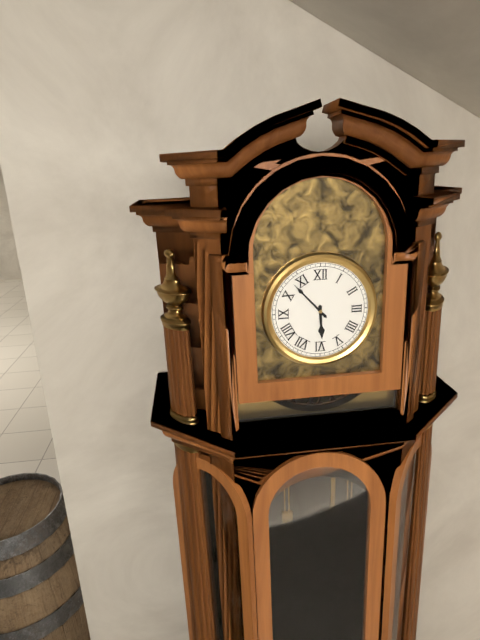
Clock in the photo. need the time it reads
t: 5:53
